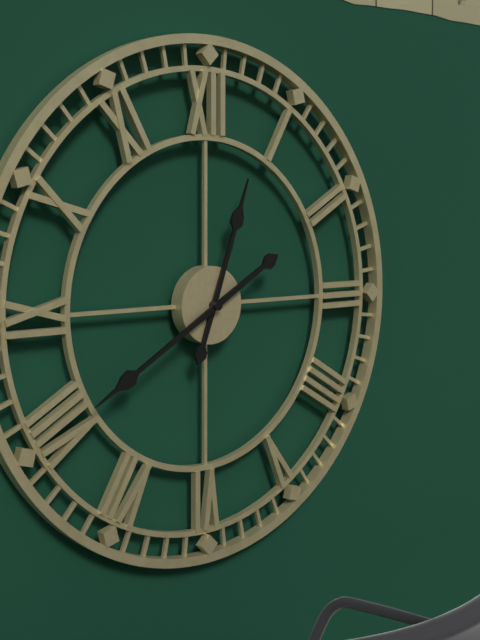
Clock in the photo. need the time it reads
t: 12:40
